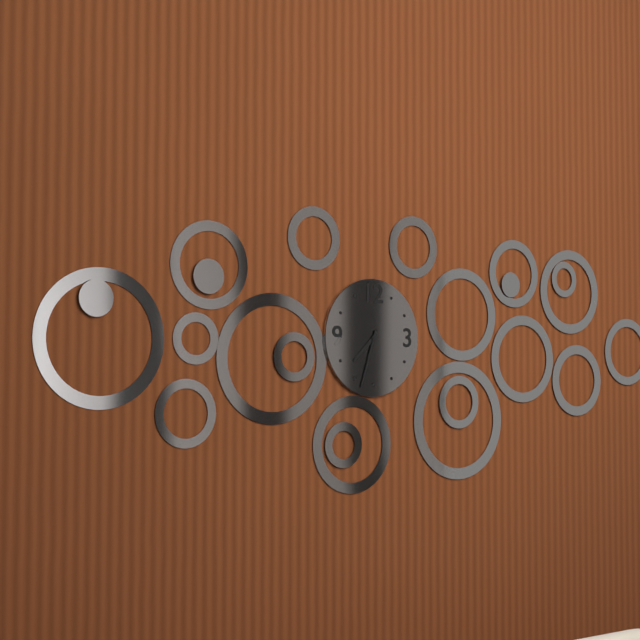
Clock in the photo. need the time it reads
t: 7:33
